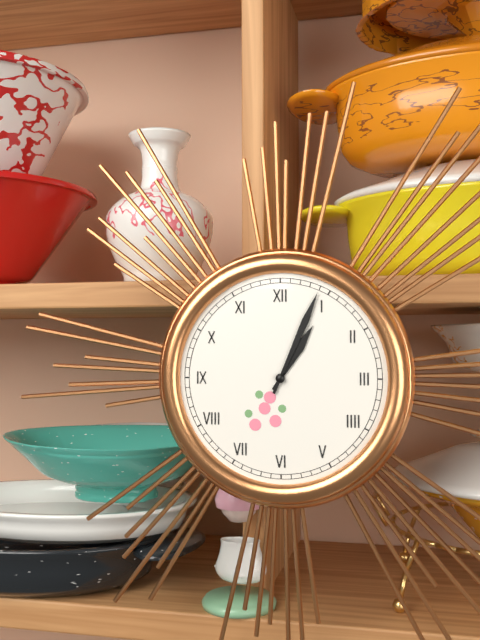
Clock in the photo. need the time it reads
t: 1:04
